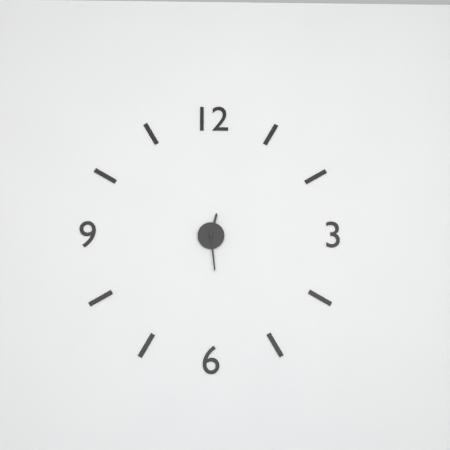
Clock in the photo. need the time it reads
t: 12:29
